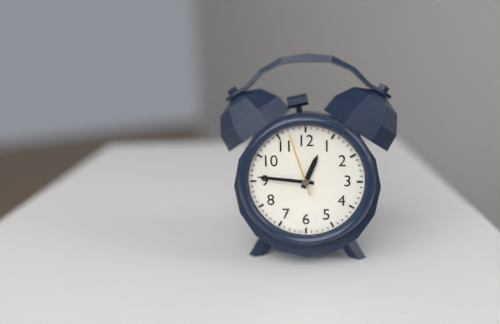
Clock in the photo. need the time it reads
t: 12:46:57
